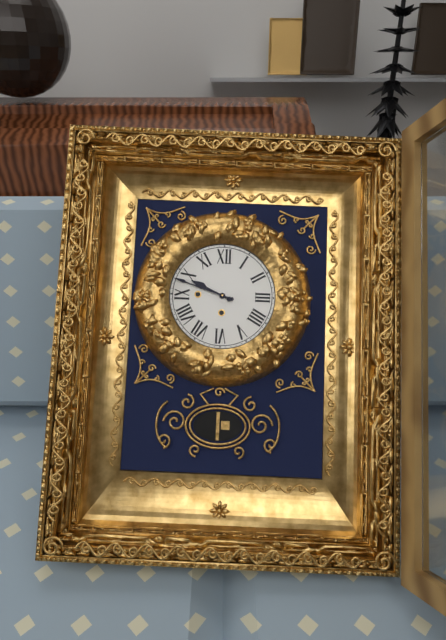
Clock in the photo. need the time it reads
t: 9:48
